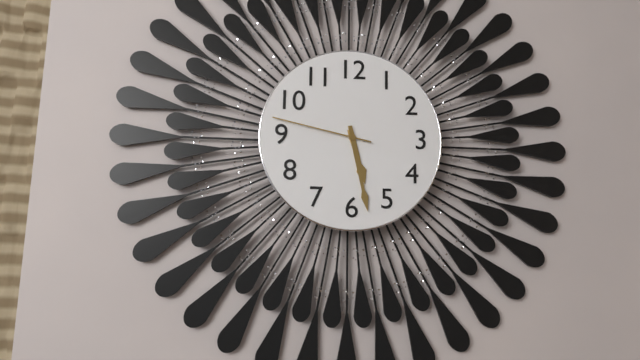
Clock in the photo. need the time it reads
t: 5:28:47
